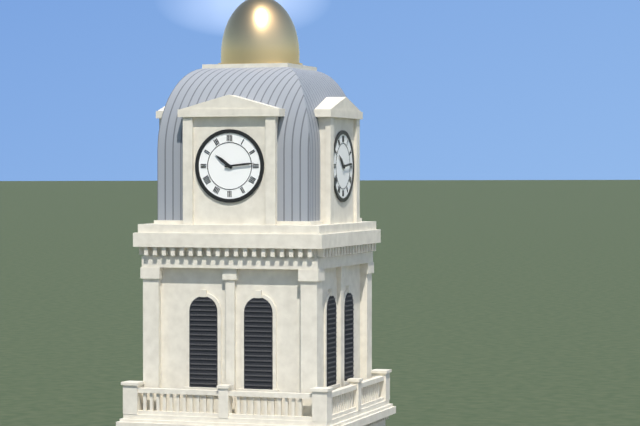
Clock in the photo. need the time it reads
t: 10:14
